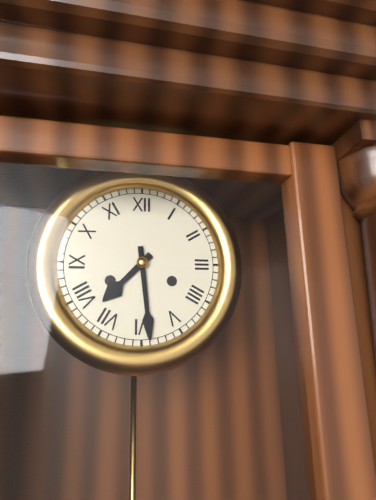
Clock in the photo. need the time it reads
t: 7:29
